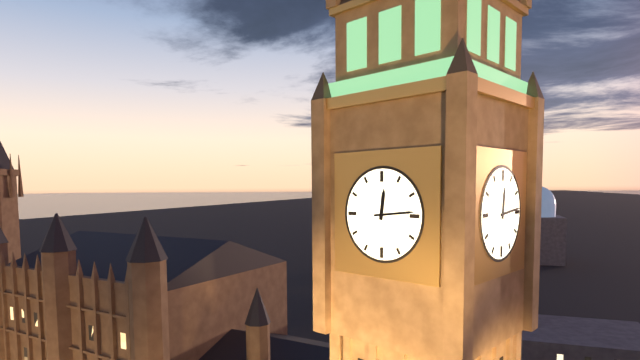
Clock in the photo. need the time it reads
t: 12:14
